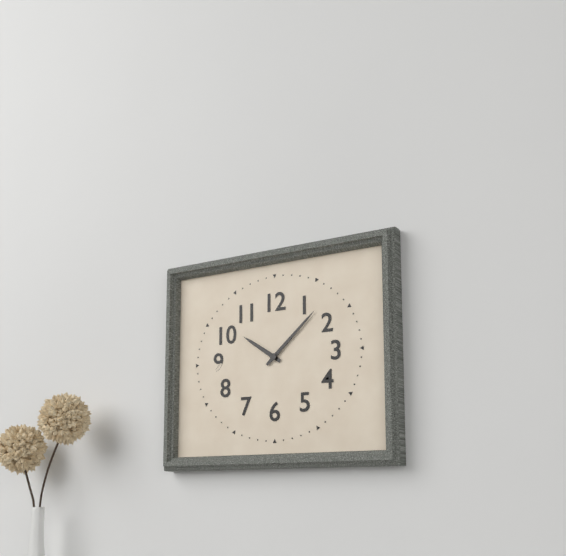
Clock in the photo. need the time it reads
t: 10:08
